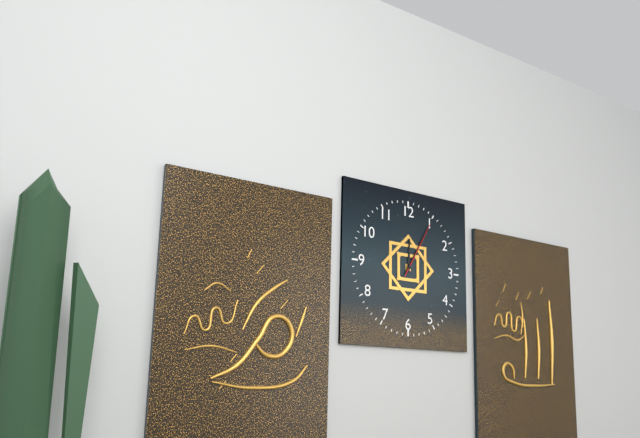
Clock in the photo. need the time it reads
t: 12:05:05
